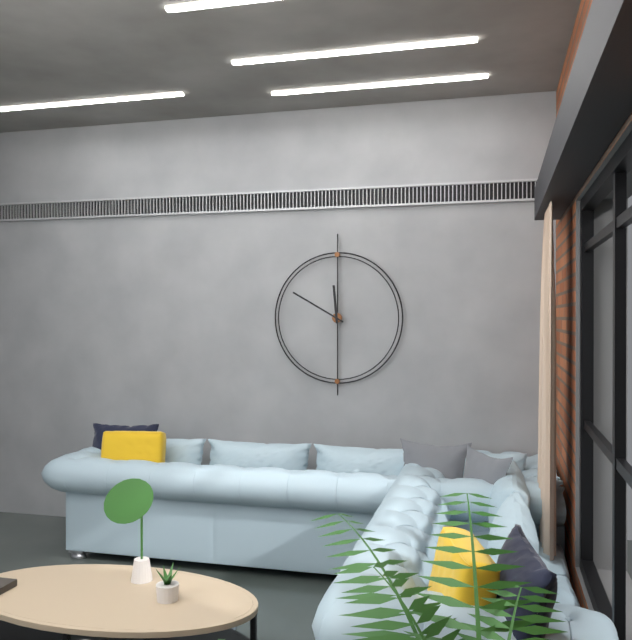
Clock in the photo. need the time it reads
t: 11:50
